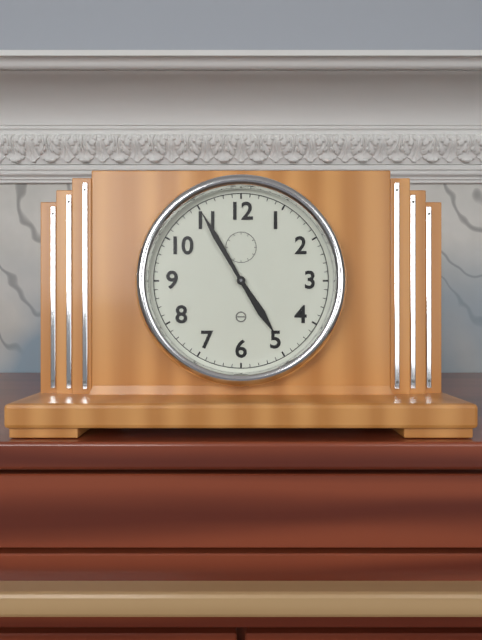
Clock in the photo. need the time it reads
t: 4:55
